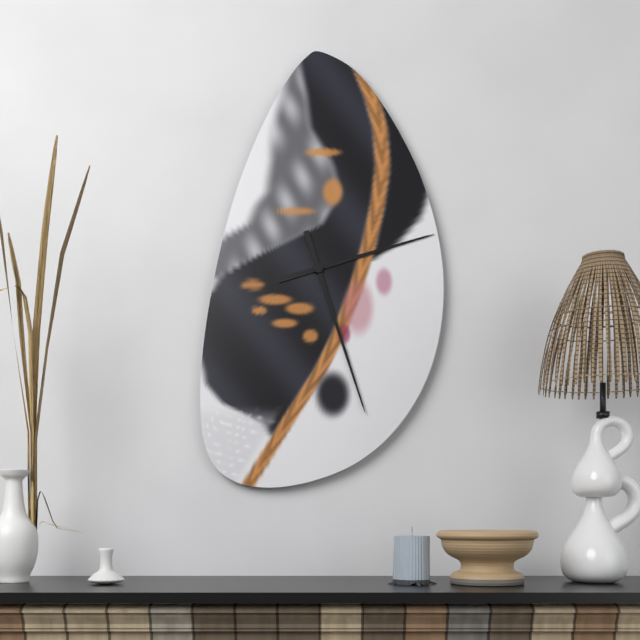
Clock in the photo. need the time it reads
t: 2:27
